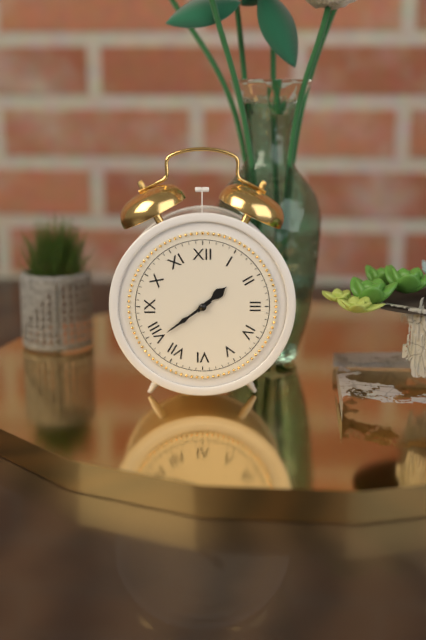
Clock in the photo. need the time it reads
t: 1:39
